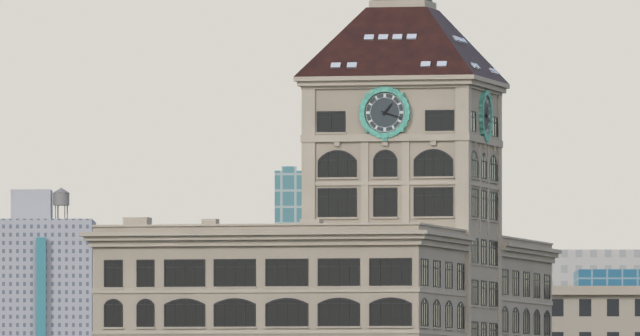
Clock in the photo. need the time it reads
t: 1:18
